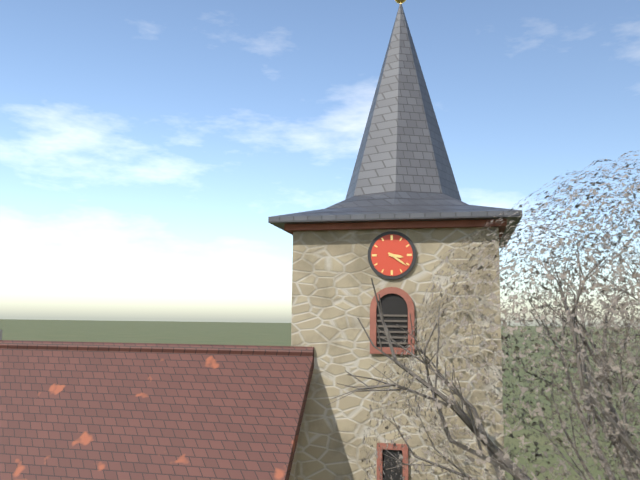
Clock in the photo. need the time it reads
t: 3:21
